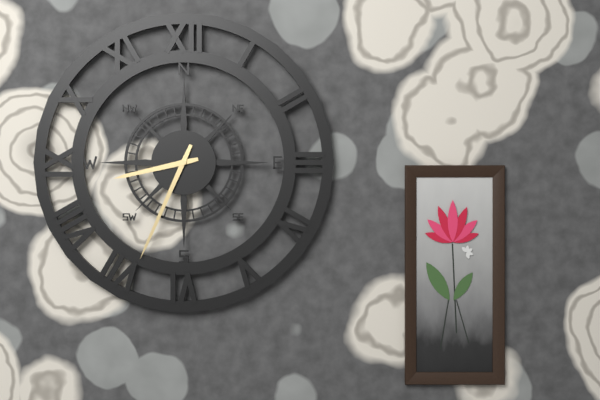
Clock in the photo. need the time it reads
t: 8:34
